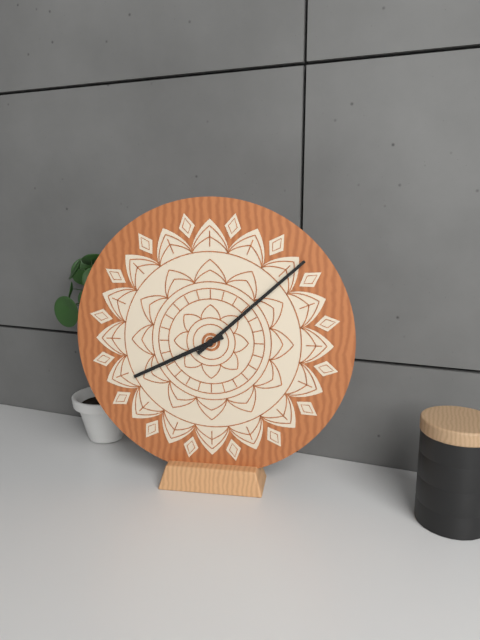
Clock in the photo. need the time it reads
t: 8:08
